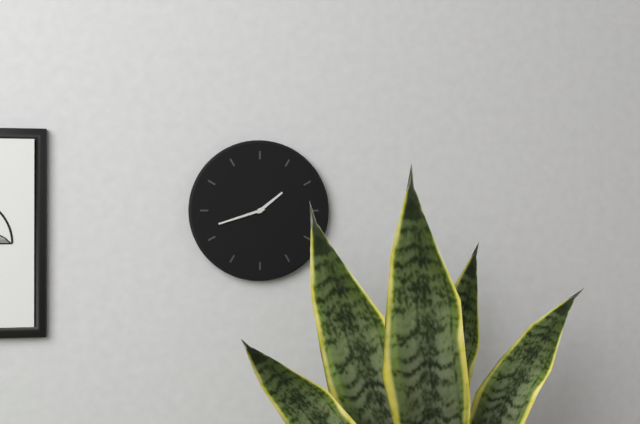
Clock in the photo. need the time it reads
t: 1:42
